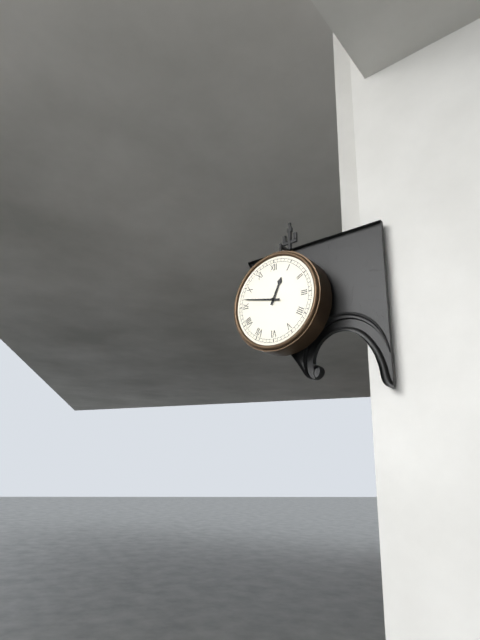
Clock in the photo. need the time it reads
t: 12:47
